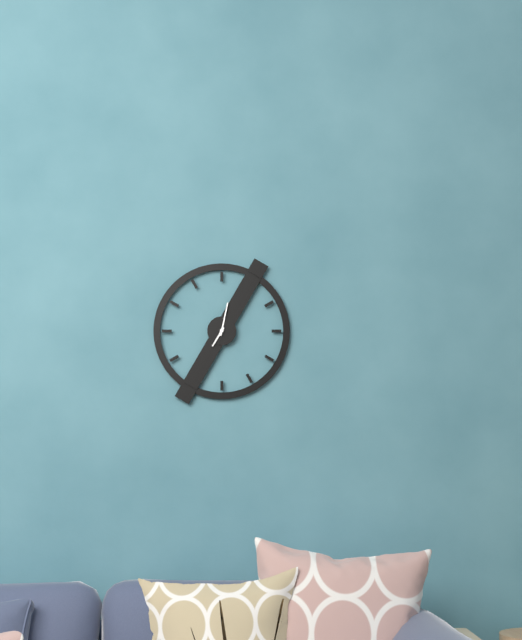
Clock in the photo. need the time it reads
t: 7:02
